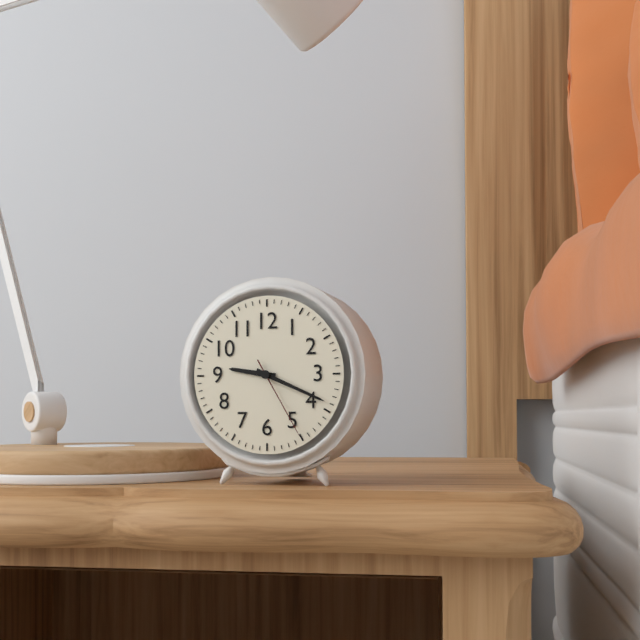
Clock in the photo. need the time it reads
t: 9:19:25
